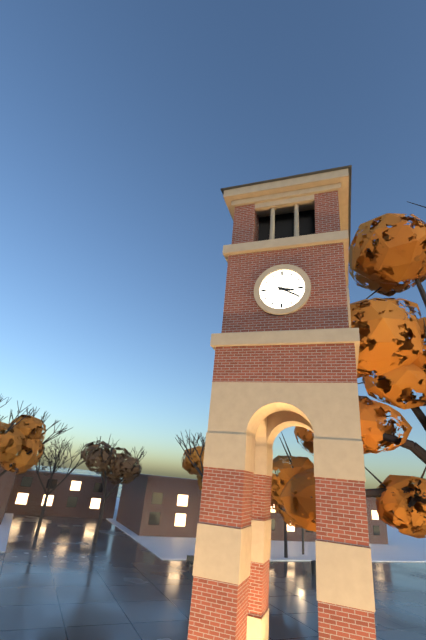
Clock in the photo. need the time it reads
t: 3:20
